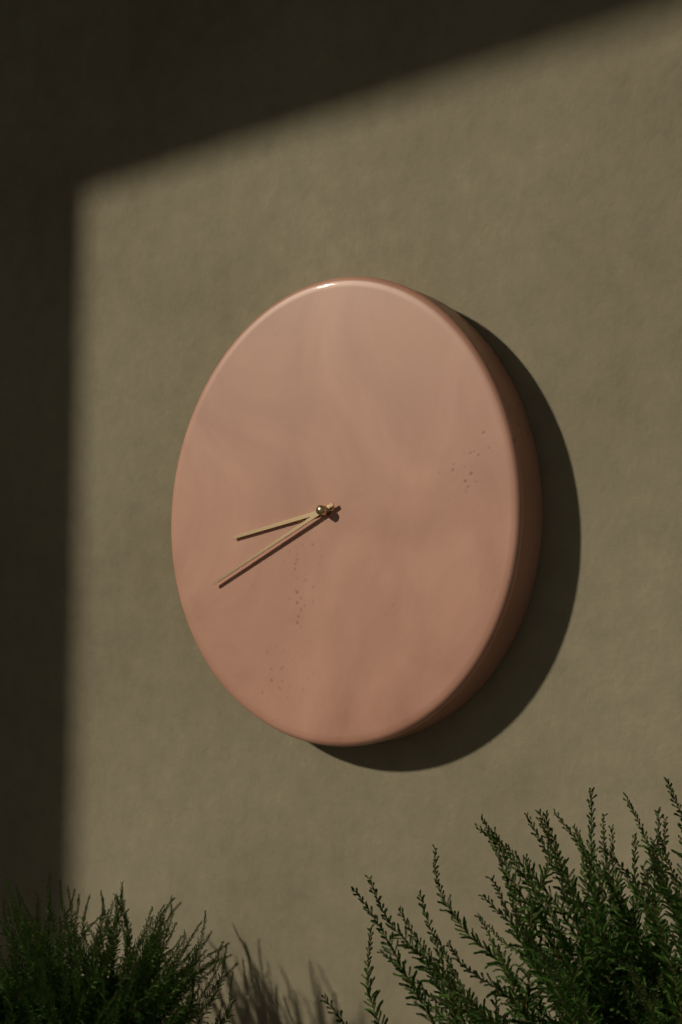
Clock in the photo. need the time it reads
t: 8:41
